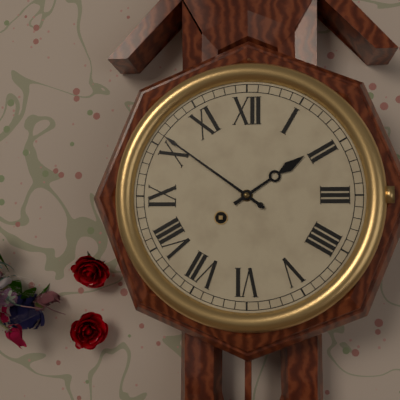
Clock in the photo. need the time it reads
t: 1:51
